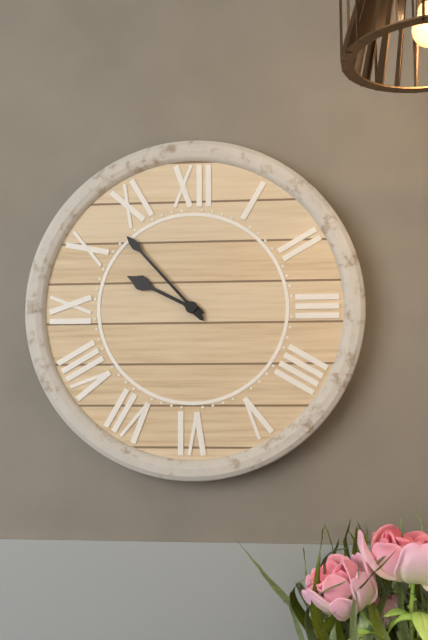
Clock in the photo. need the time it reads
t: 9:53
